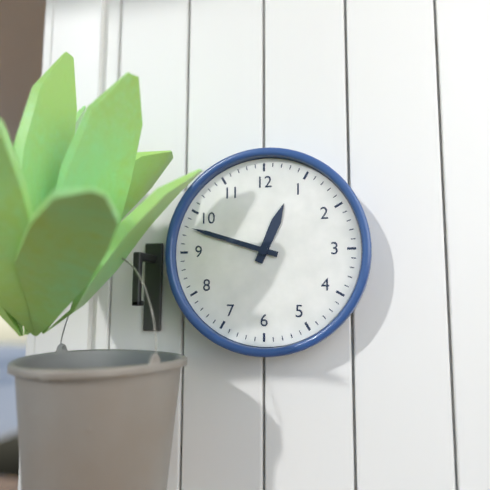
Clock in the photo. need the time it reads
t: 12:48
